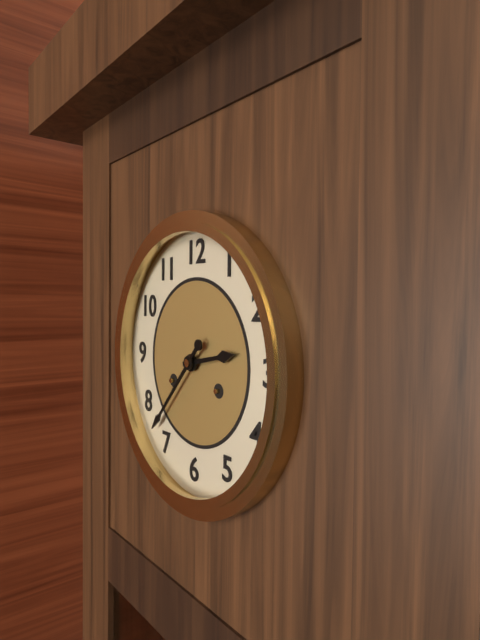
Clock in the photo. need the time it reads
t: 2:37
